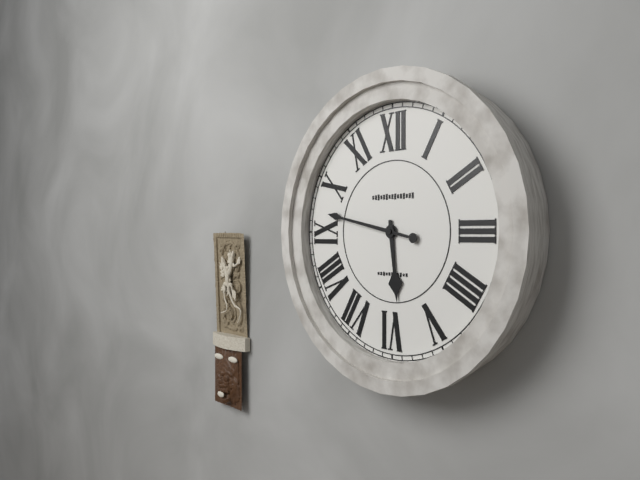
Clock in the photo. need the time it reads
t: 5:47
